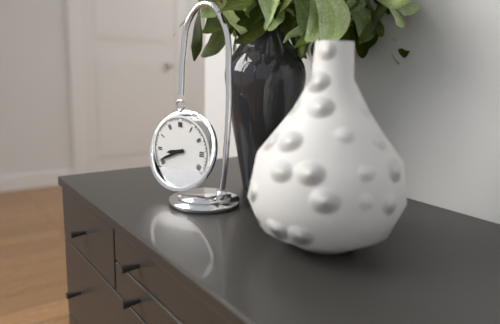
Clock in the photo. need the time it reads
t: 8:41
